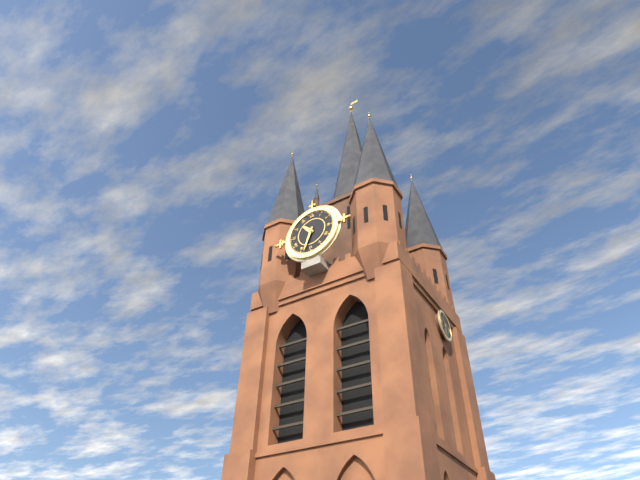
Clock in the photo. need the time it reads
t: 10:33
